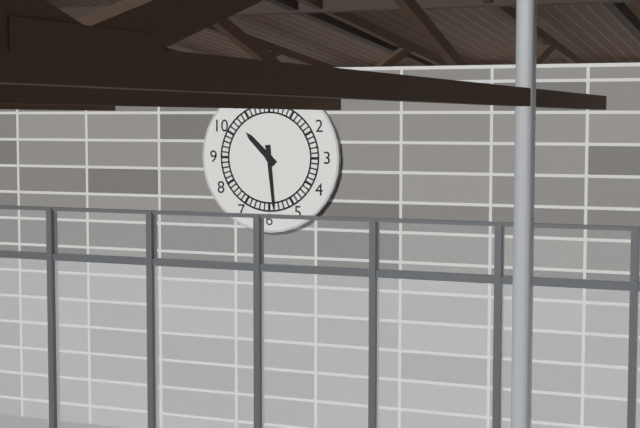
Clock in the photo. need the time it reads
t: 10:29
